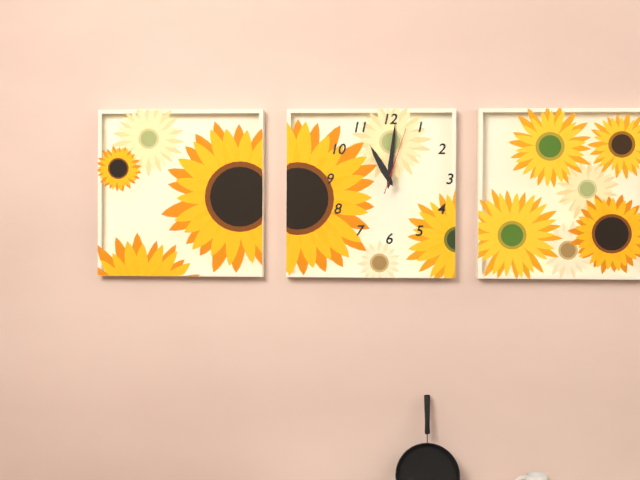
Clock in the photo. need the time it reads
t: 11:01:03
